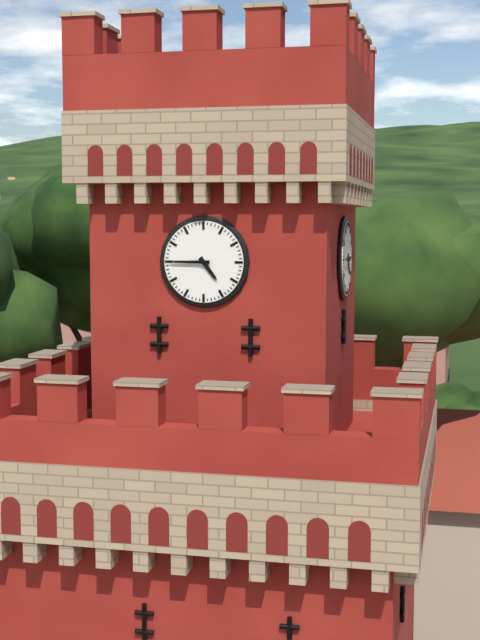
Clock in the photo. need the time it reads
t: 4:45
